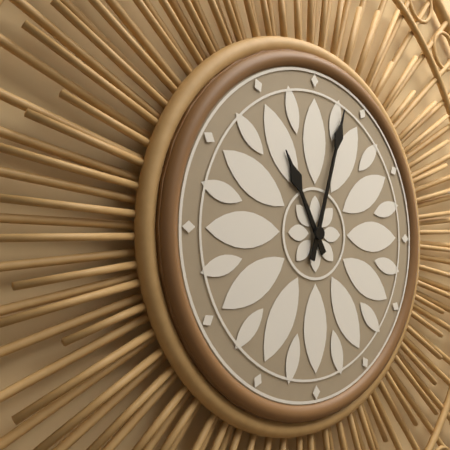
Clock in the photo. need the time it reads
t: 11:03
